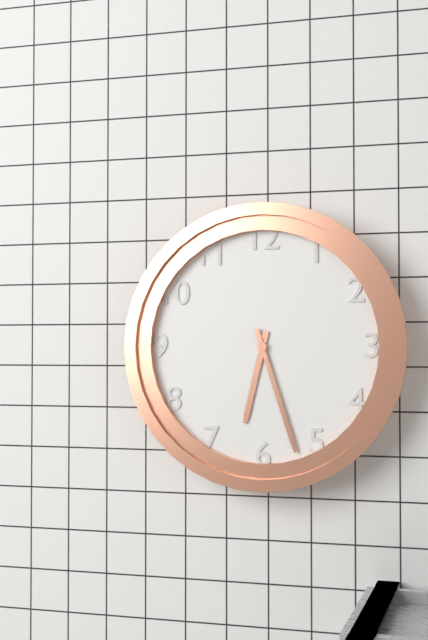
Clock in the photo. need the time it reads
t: 6:27
